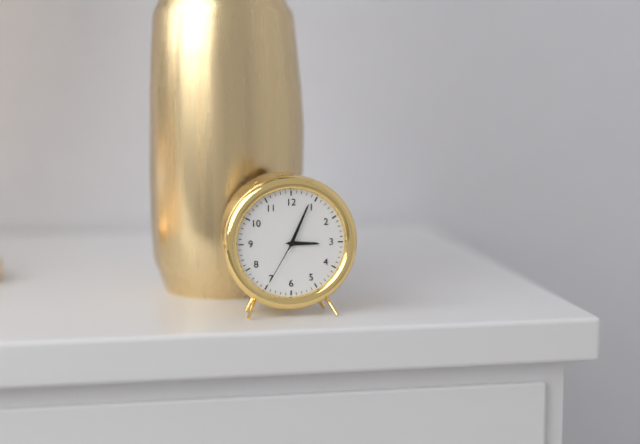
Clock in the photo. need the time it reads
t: 3:04:35
